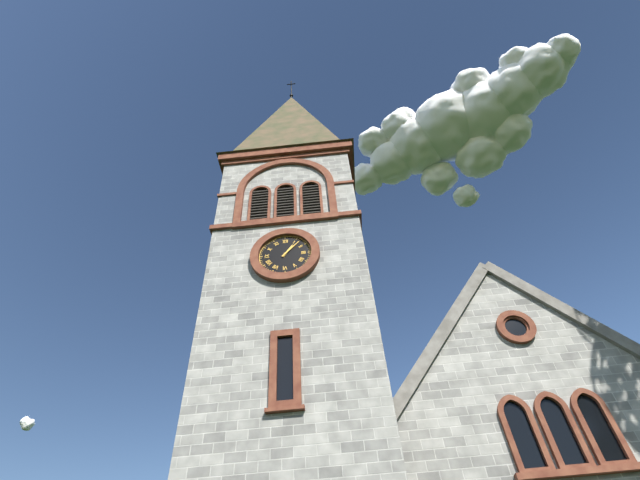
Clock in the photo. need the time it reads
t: 1:07
